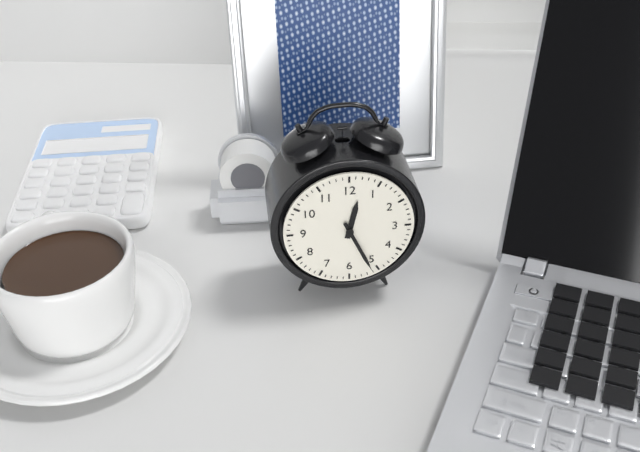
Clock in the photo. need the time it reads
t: 12:26
